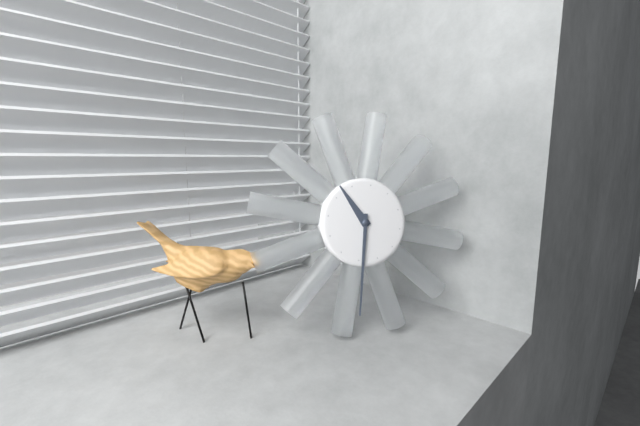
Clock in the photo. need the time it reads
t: 10:29
